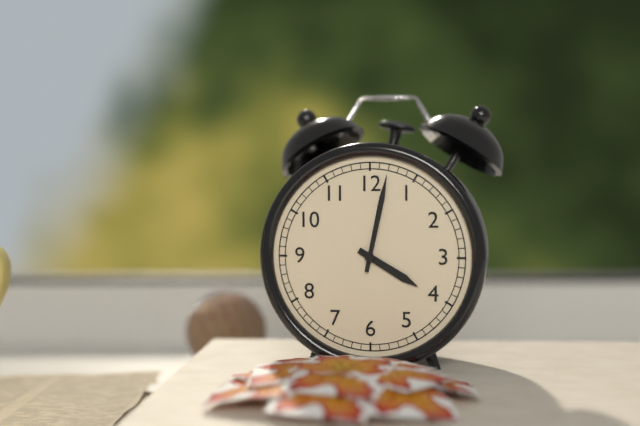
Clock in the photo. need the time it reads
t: 4:02
